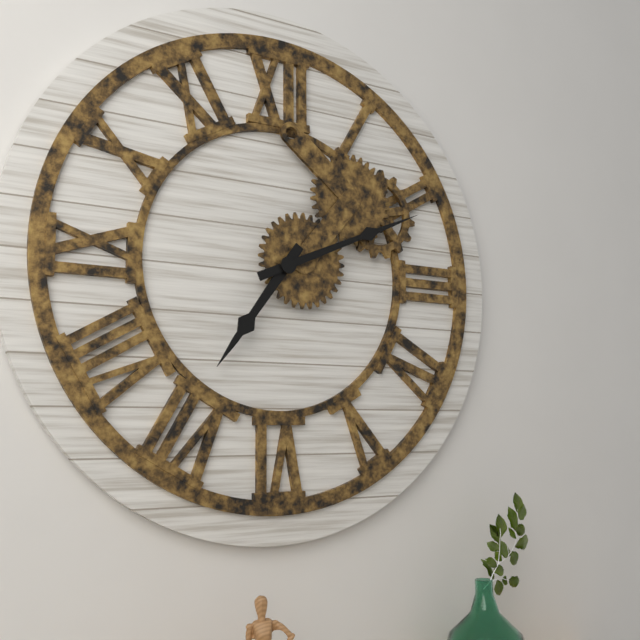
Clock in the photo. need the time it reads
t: 7:11
